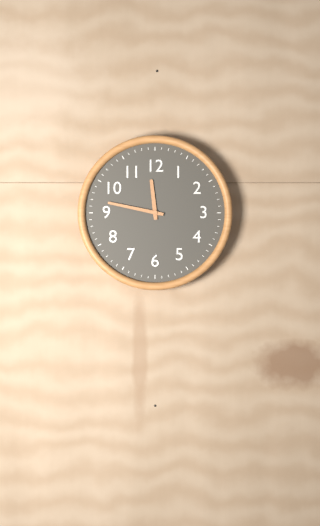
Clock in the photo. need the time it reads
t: 11:47
